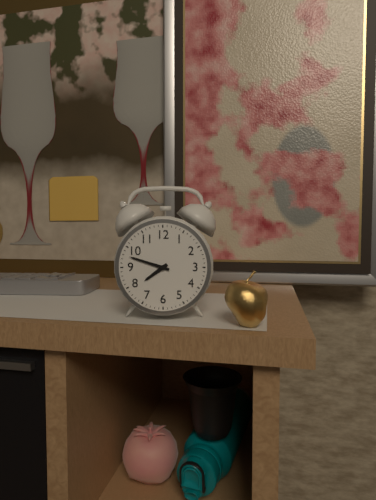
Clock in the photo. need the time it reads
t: 7:48
